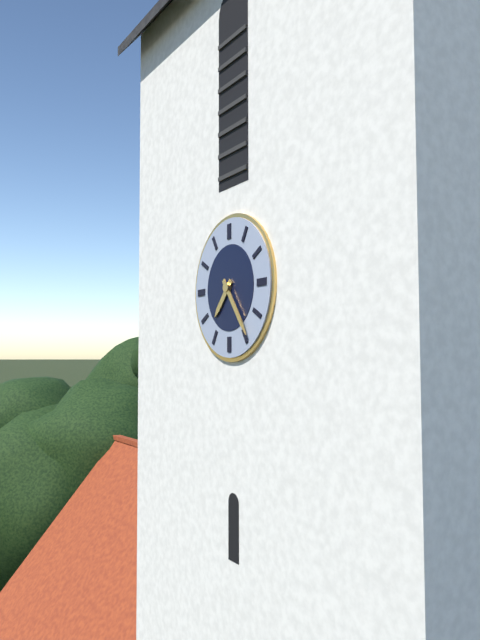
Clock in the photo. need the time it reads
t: 7:24
